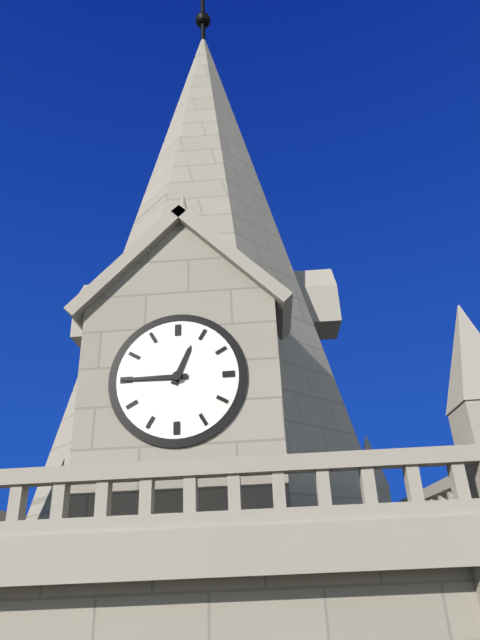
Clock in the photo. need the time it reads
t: 12:45
